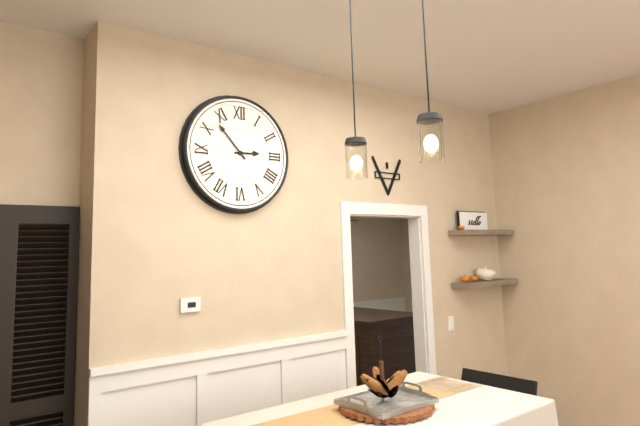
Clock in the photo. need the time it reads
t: 2:53
